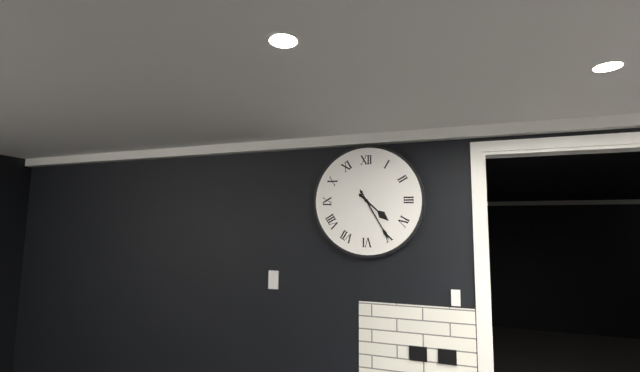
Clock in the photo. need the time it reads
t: 4:25
